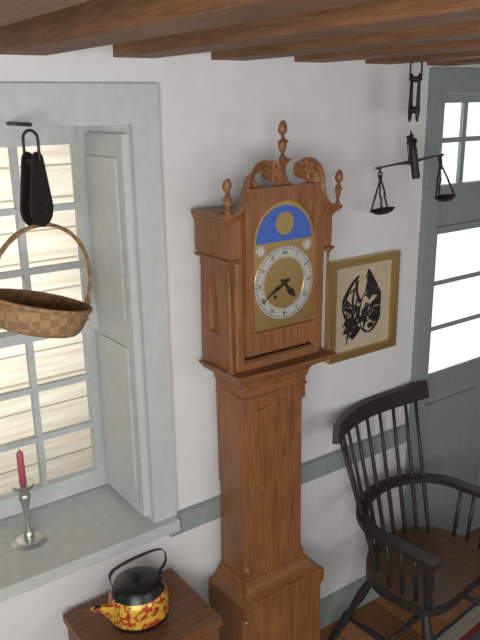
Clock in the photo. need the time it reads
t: 4:40
